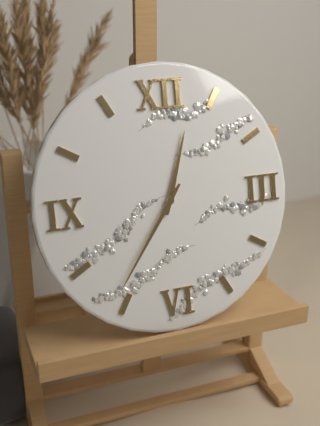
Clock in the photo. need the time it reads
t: 12:36
